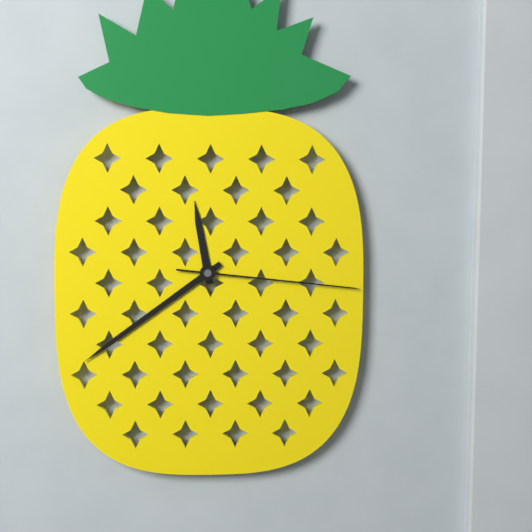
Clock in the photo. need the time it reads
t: 11:39:16
